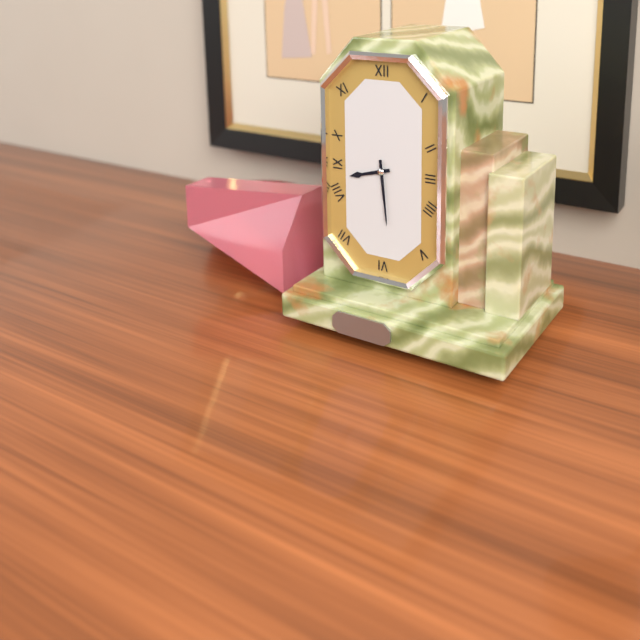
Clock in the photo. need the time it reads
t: 8:29
